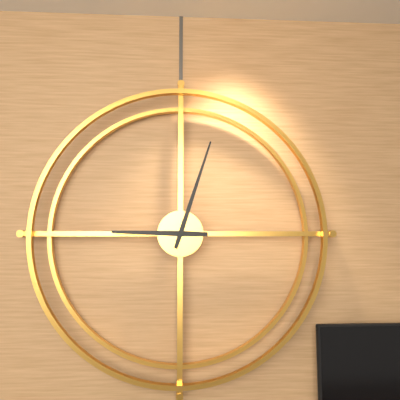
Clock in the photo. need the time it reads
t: 9:03
